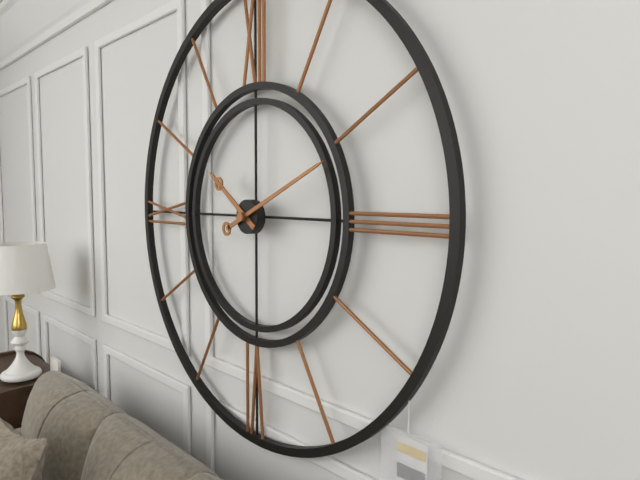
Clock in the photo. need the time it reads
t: 10:11
